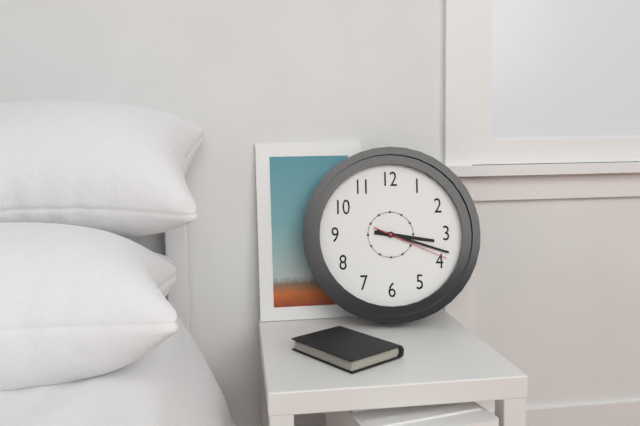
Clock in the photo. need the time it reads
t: 3:18:19
